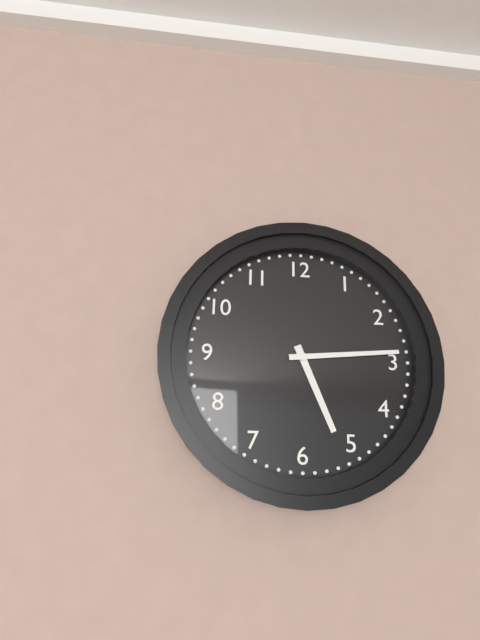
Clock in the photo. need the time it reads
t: 5:14
